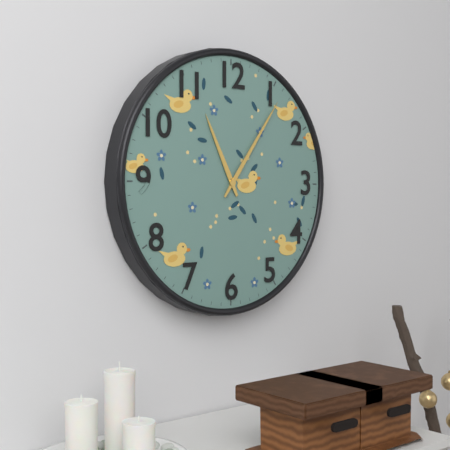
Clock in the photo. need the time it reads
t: 11:06
